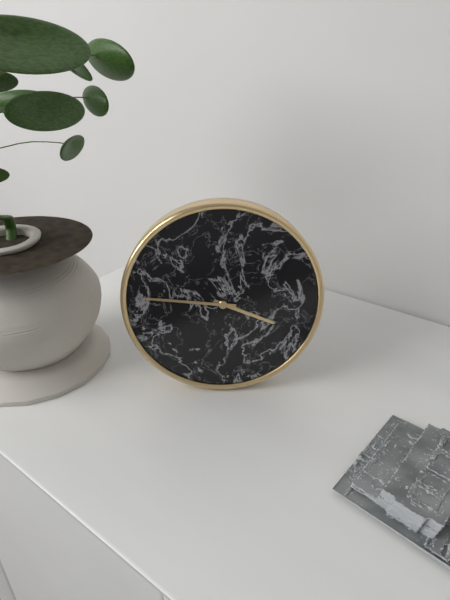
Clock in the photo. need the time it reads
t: 3:46
